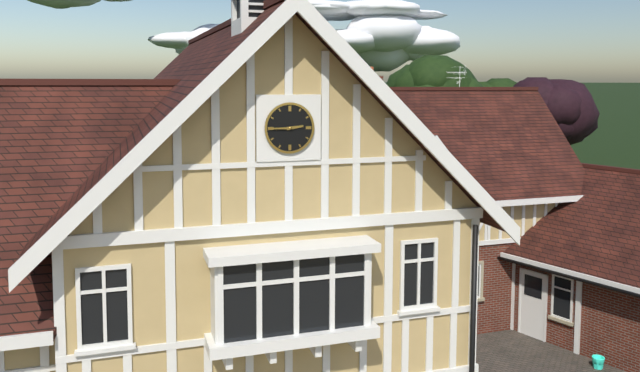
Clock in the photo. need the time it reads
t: 2:45
